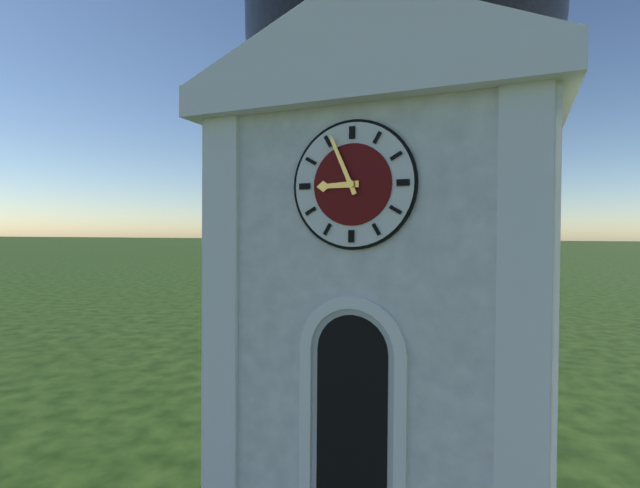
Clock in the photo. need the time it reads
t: 8:56
